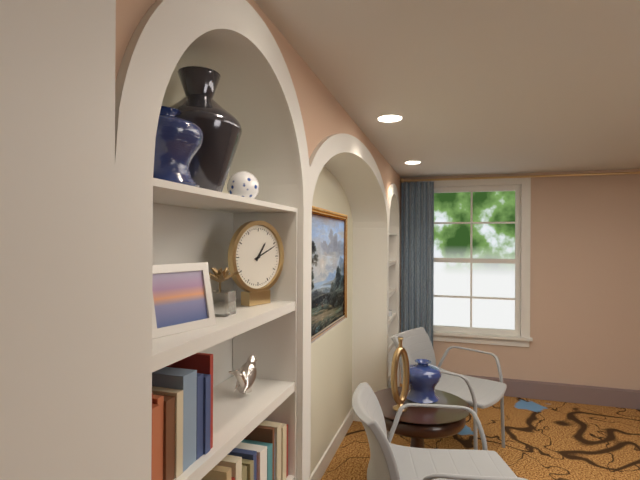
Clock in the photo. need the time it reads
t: 1:11
